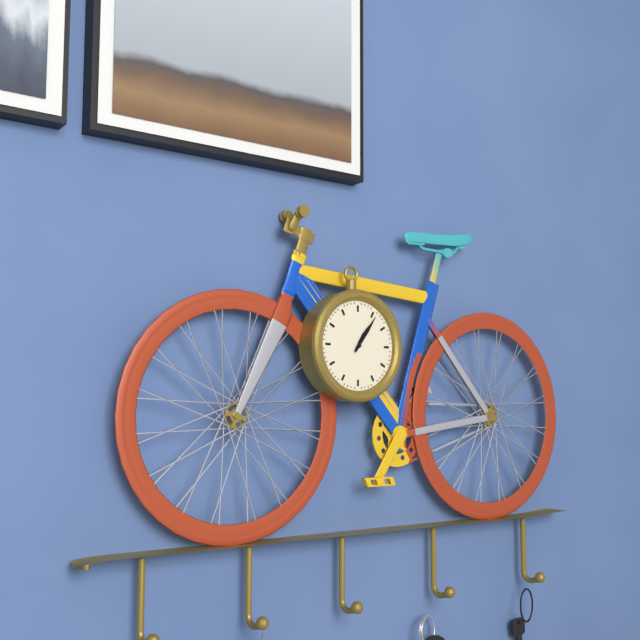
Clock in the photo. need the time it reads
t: 1:06
